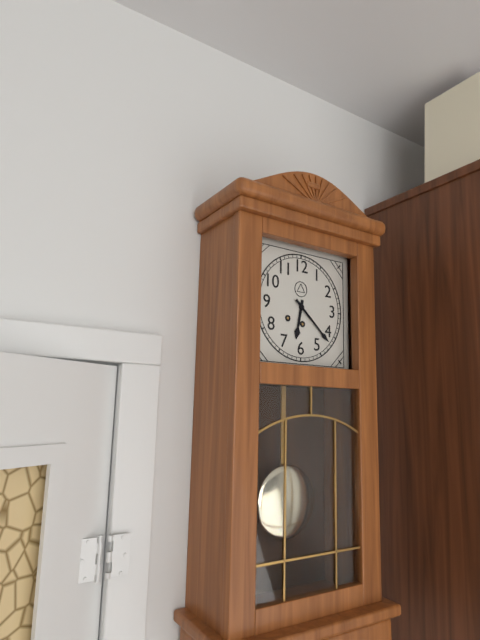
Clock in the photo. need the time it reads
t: 6:22
